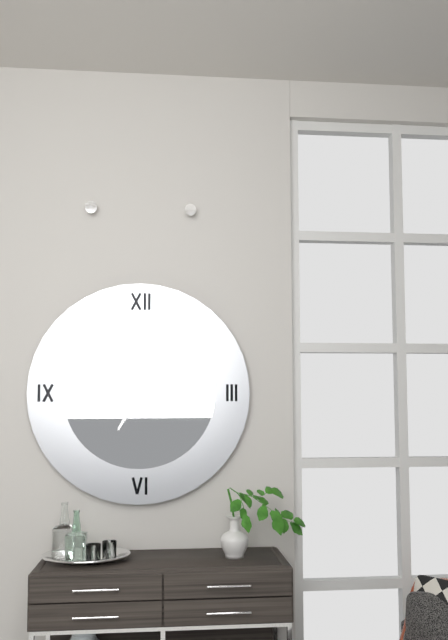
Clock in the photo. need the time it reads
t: 11:35
